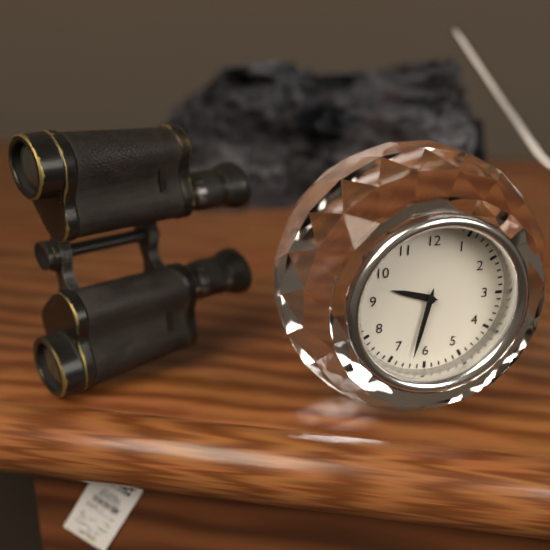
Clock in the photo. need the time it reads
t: 9:32
